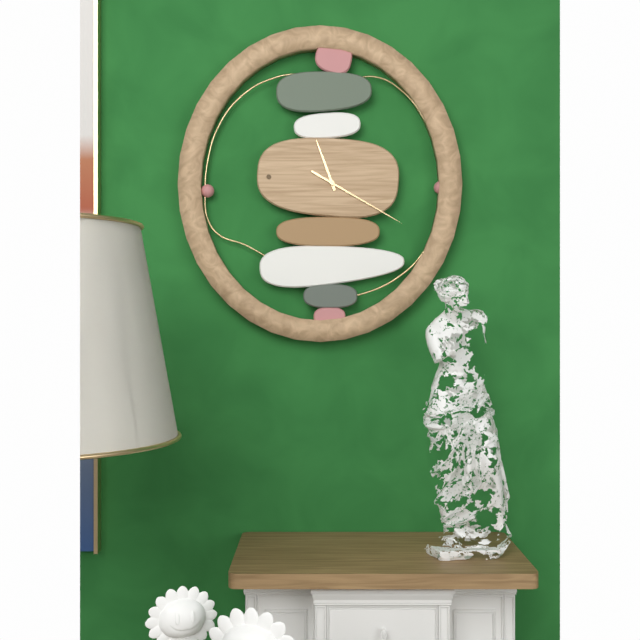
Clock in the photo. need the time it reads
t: 11:20
